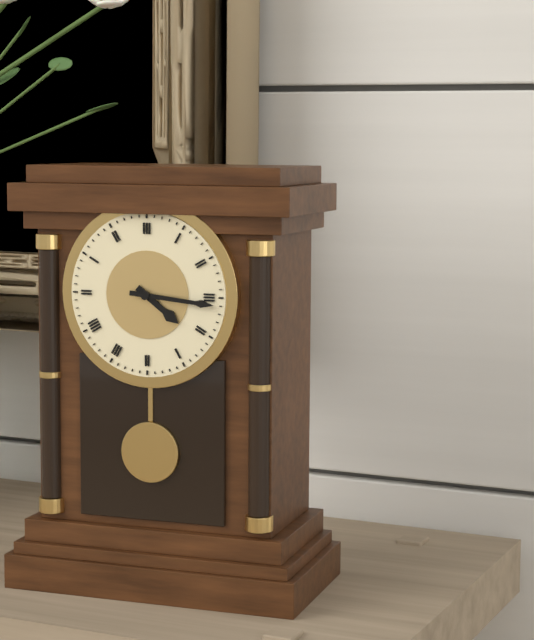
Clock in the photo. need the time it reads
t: 4:16
